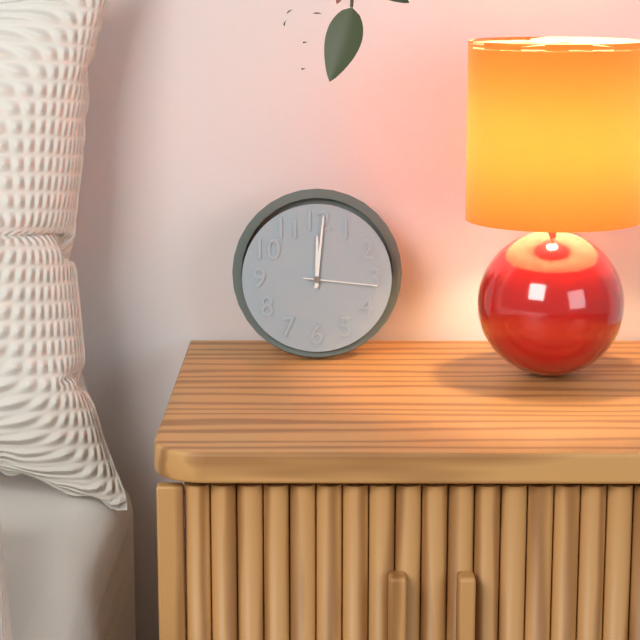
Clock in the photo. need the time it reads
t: 12:01:16
